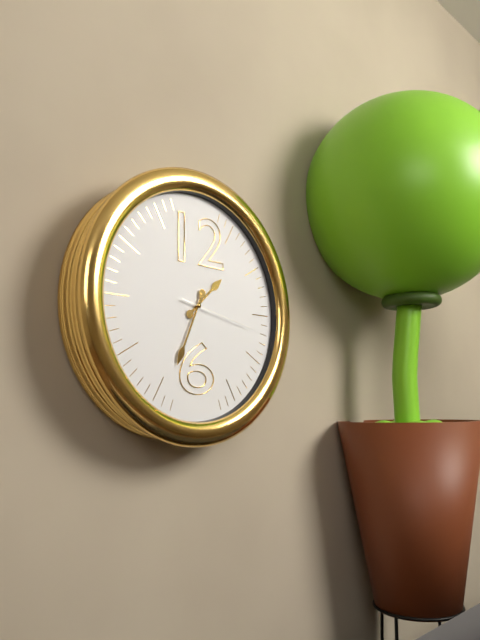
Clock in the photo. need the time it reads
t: 1:34:17
